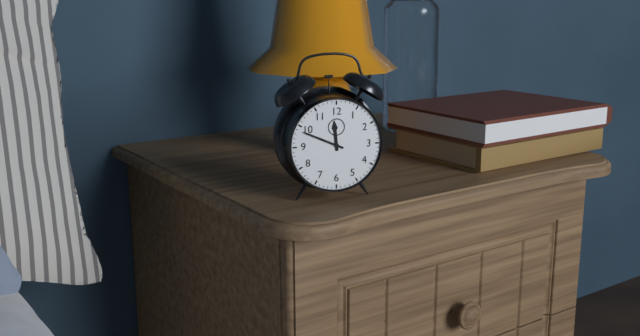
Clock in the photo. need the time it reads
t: 11:49
